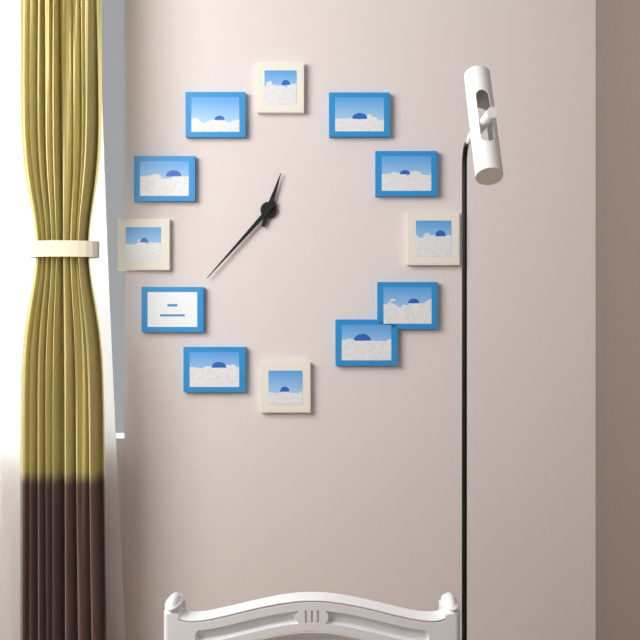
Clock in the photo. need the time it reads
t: 12:37
